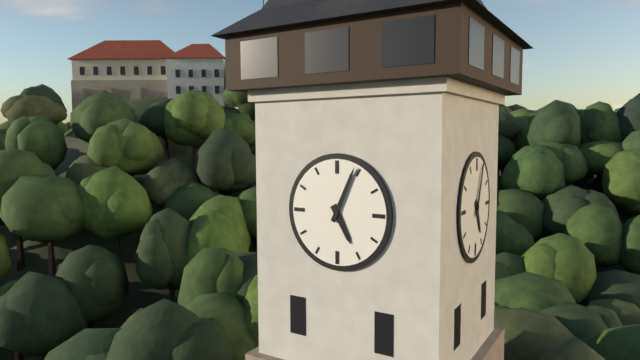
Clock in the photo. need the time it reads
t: 5:04
